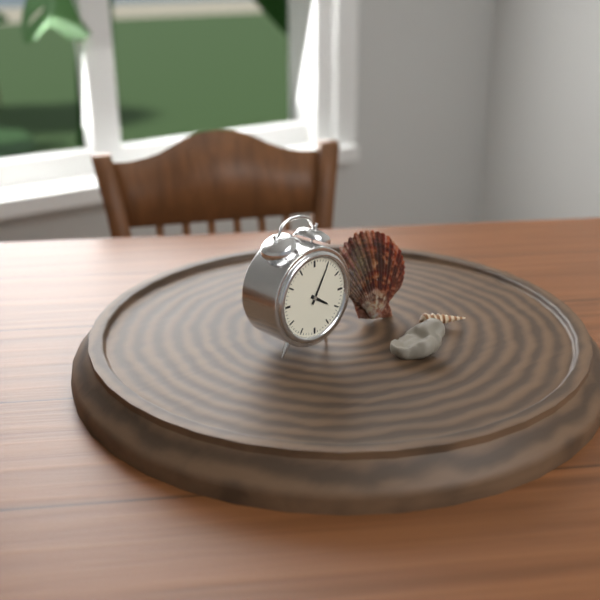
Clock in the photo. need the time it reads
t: 4:05
